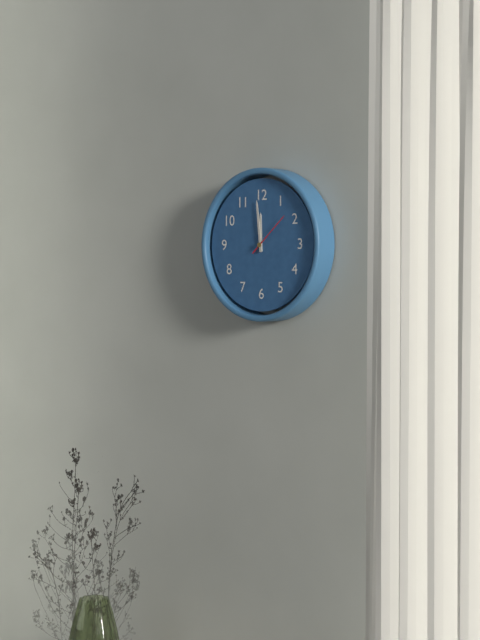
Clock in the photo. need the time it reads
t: 11:59
